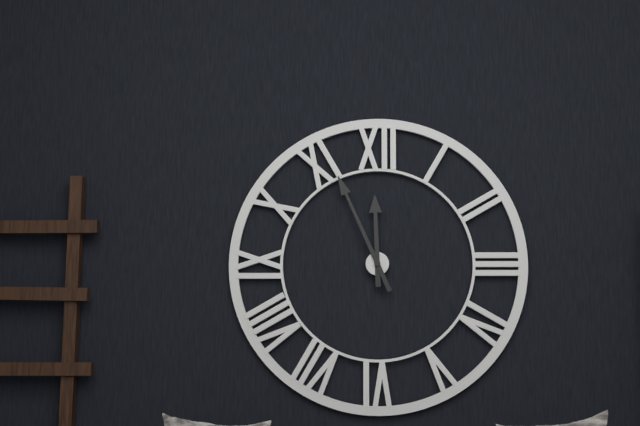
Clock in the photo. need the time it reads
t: 11:56
